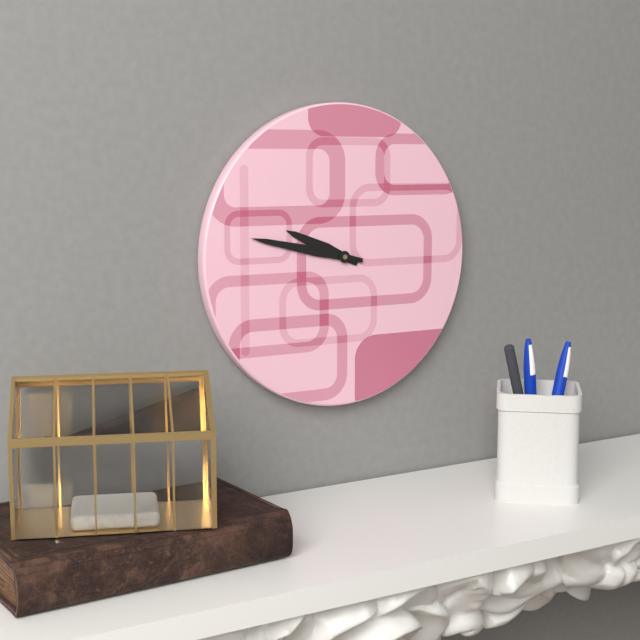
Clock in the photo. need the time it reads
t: 9:47
